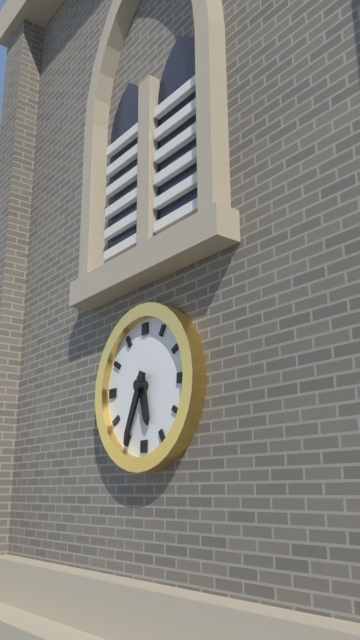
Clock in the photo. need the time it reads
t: 5:34
